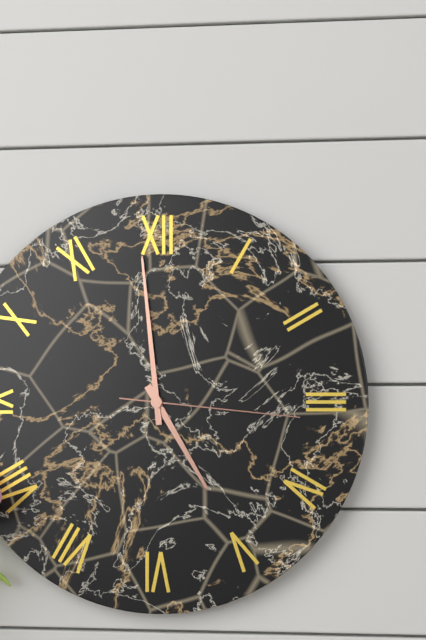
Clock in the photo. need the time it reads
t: 4:59:16
